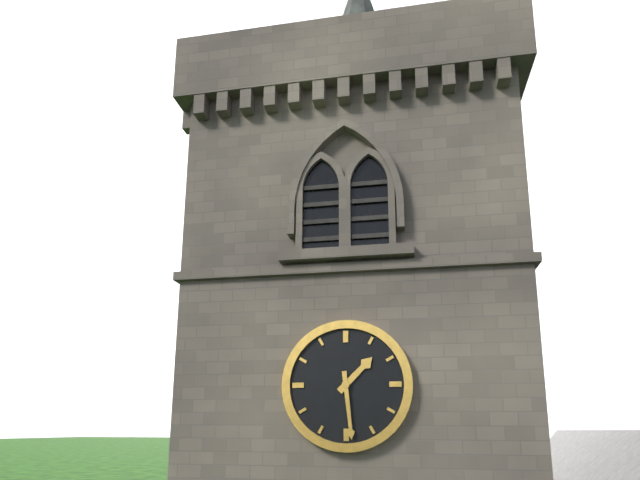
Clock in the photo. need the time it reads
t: 1:29
